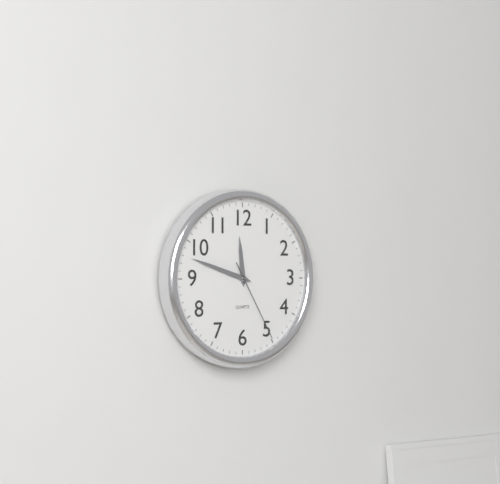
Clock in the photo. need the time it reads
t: 11:48:25
